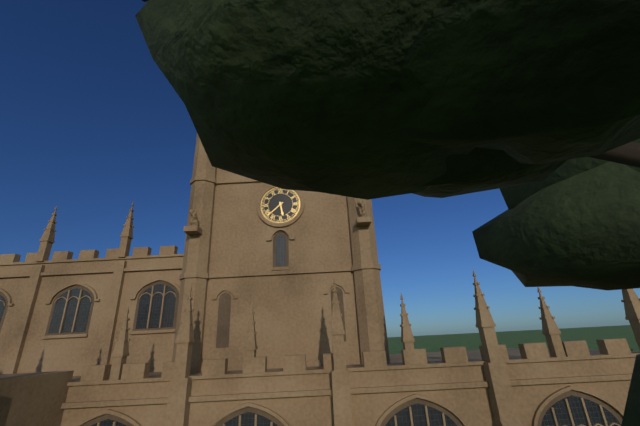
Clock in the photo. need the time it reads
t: 5:38
